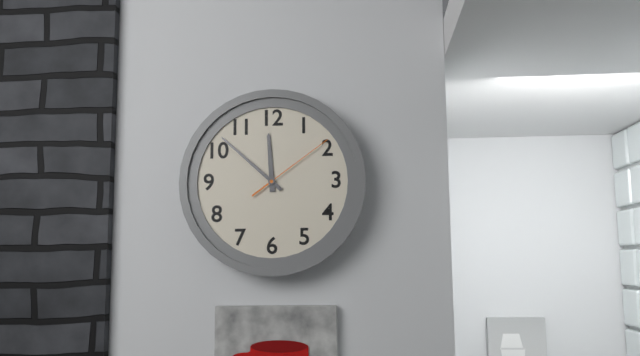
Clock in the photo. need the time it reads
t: 11:52:09
